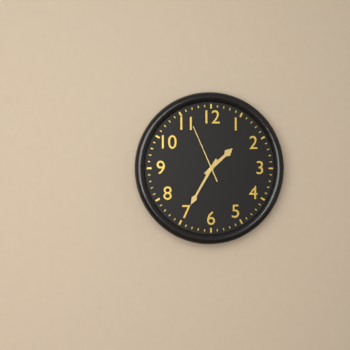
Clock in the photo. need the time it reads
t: 1:35:56
